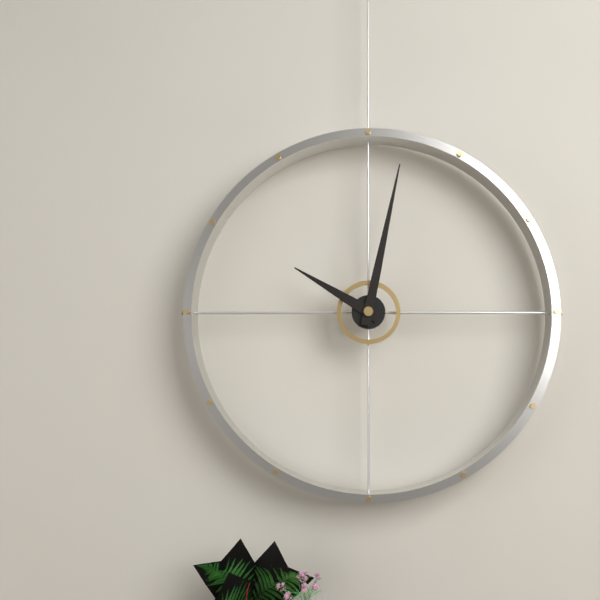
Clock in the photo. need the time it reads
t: 10:02
